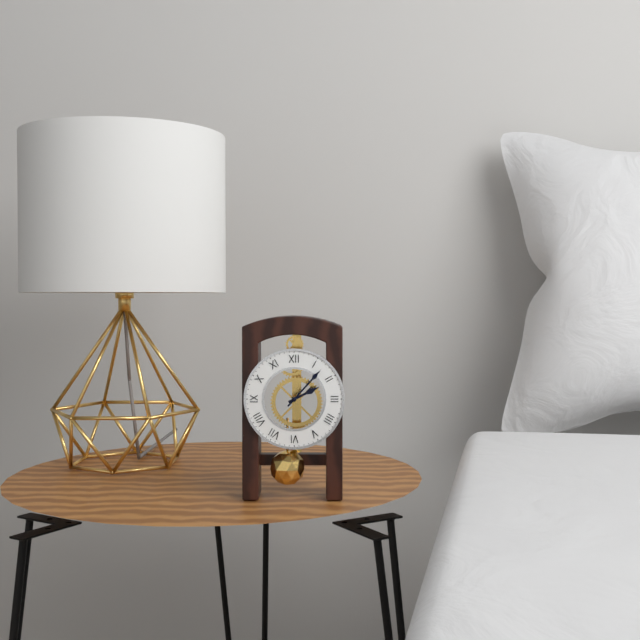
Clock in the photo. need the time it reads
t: 2:07
